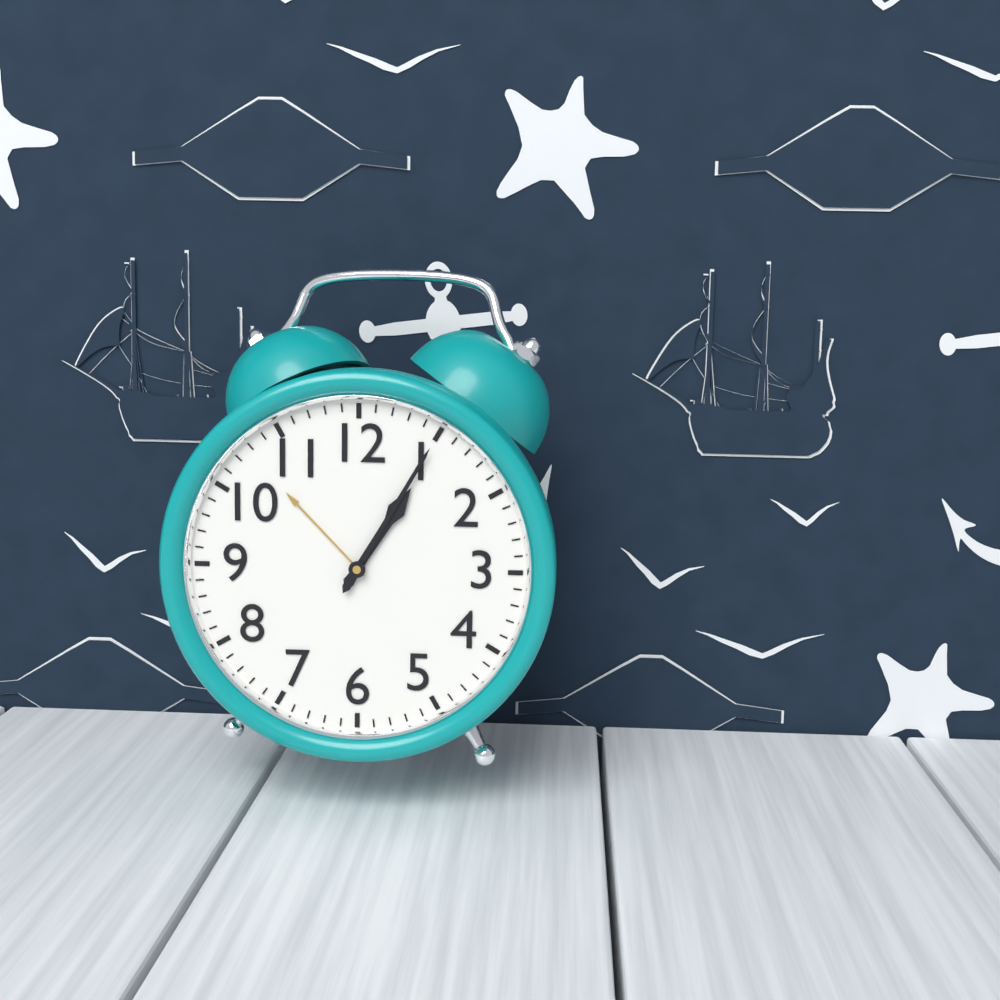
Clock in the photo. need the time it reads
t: 1:05
